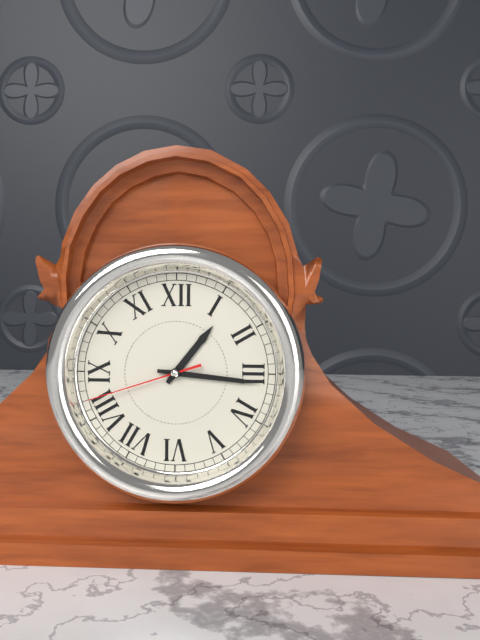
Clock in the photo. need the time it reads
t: 1:16:42
